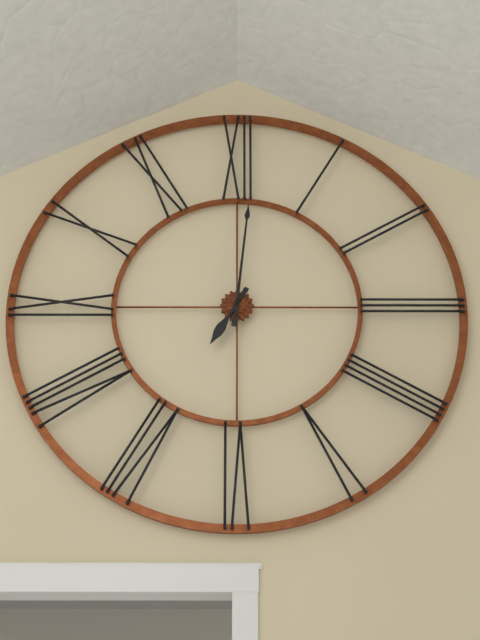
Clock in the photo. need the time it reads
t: 7:01
